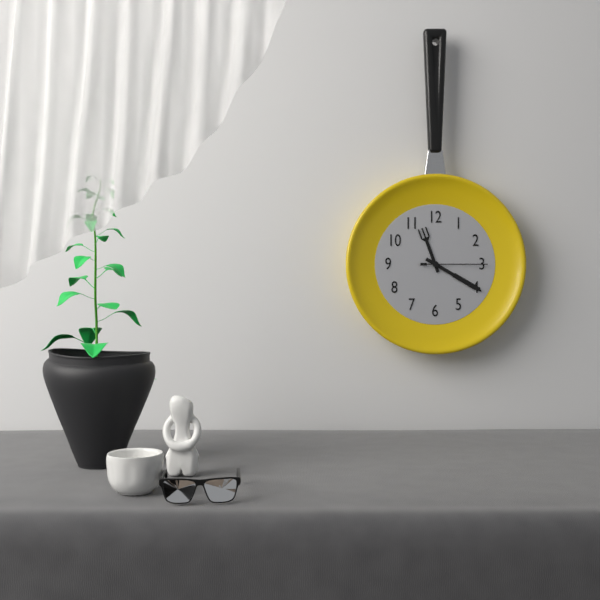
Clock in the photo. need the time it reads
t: 11:20:15
